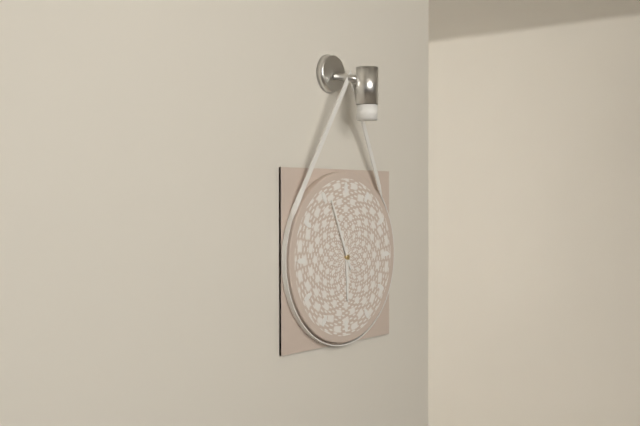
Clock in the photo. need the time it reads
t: 5:56
